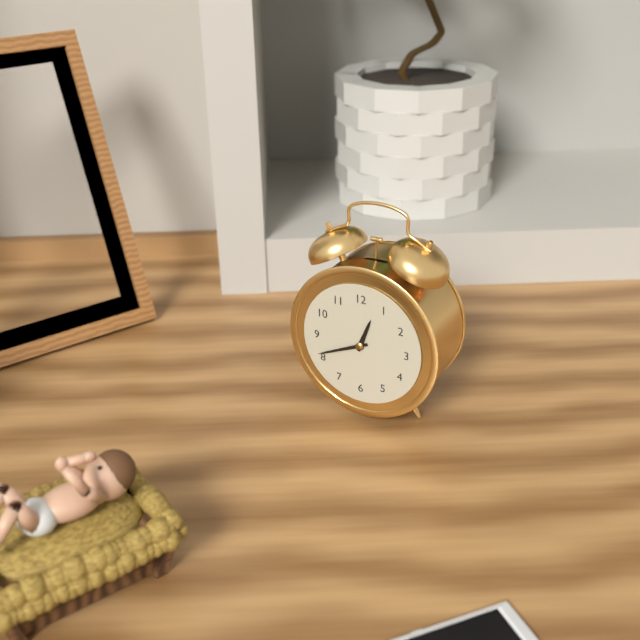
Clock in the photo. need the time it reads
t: 12:41
